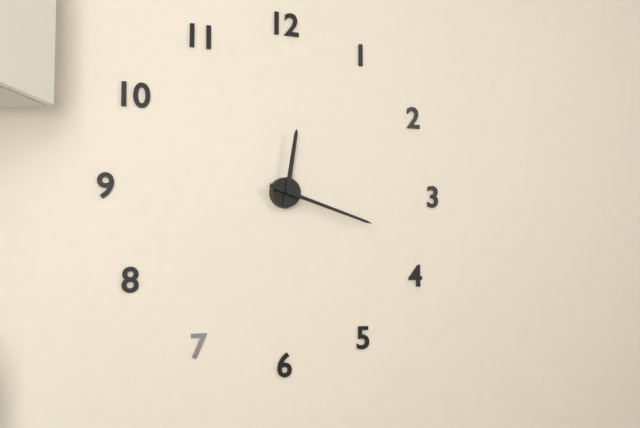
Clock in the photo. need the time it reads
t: 12:18
